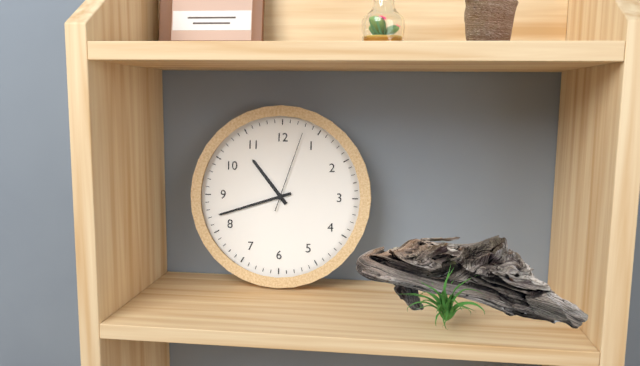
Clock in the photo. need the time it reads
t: 10:42:03
